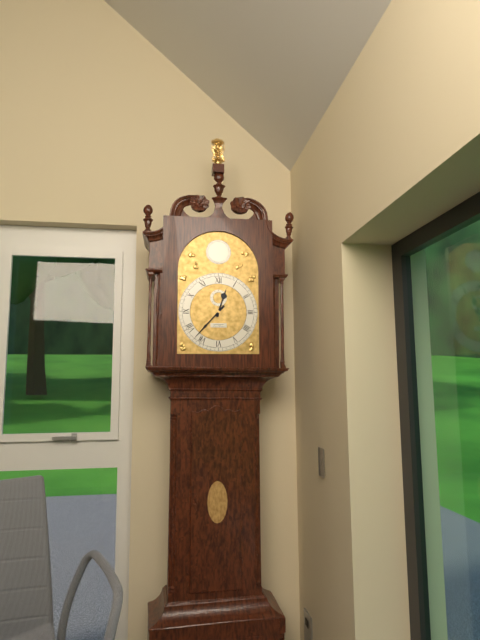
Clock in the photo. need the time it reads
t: 12:37
